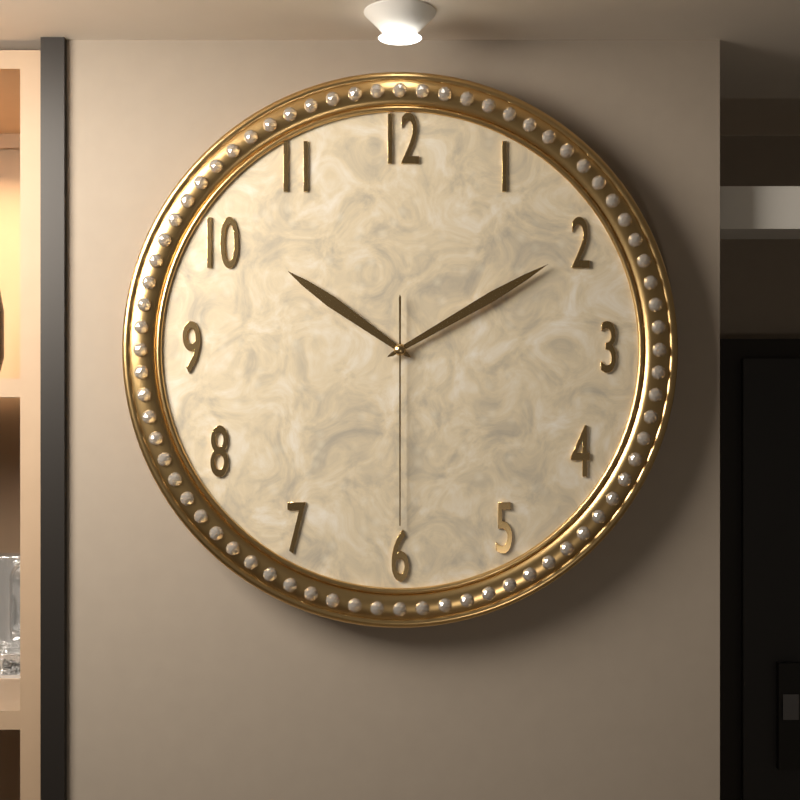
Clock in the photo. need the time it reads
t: 10:10:30
